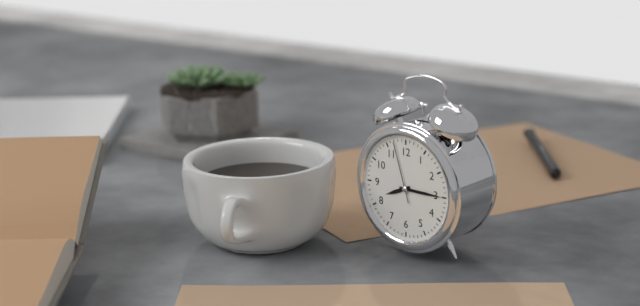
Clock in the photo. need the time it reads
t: 8:15:57
